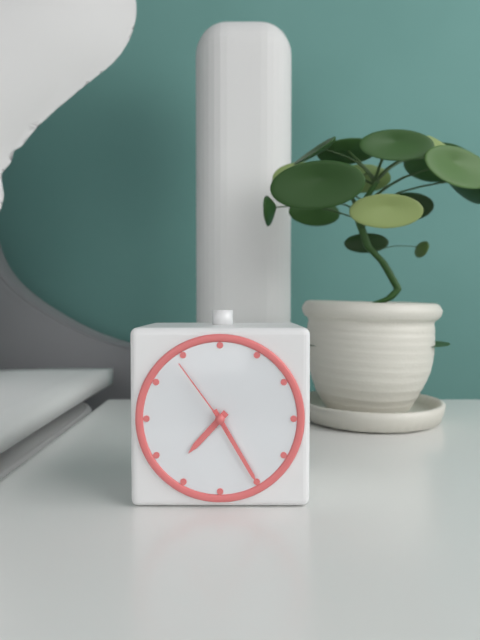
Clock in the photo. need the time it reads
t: 7:25:54
